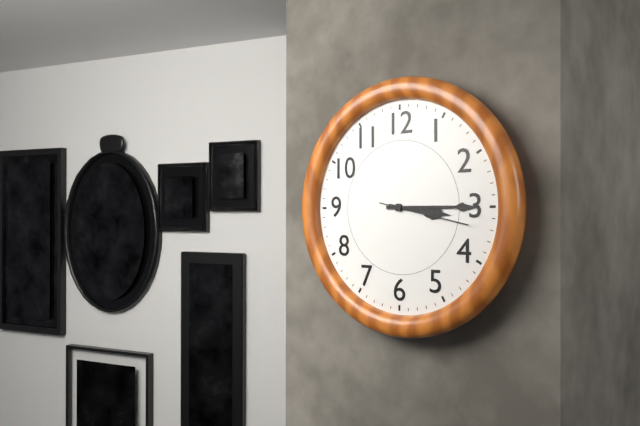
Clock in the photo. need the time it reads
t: 3:15:17
